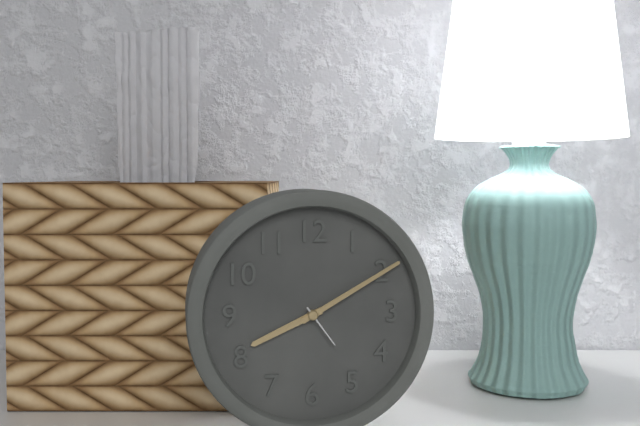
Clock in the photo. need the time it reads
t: 8:10
